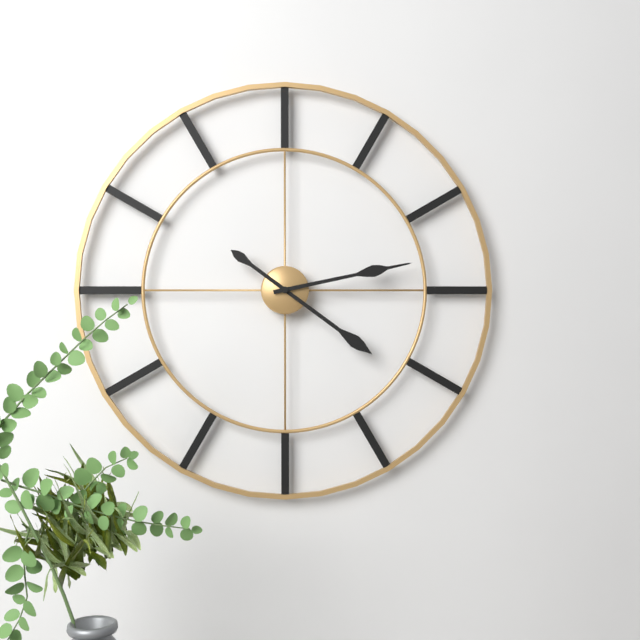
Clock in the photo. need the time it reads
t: 4:13
